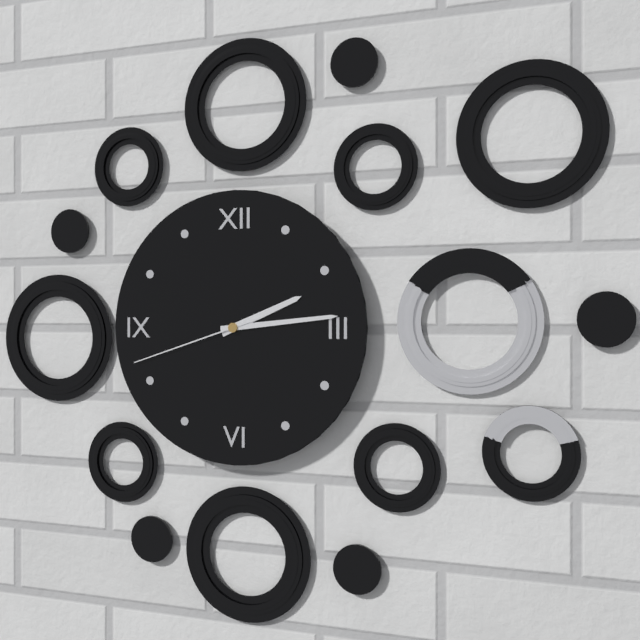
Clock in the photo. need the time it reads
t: 2:14:42
